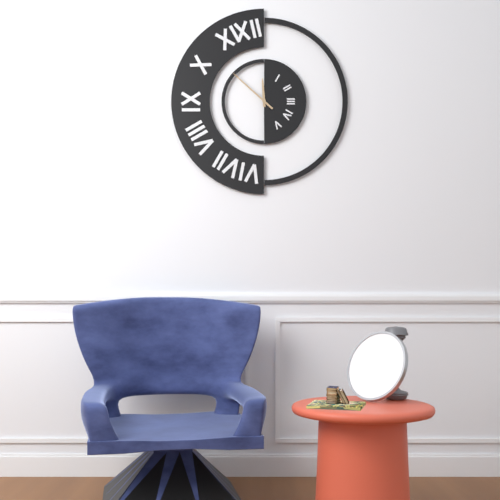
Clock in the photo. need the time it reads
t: 11:52
